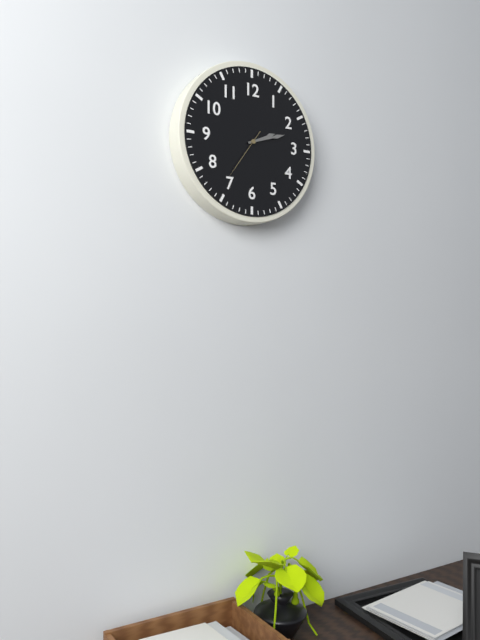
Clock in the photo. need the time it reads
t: 2:12
